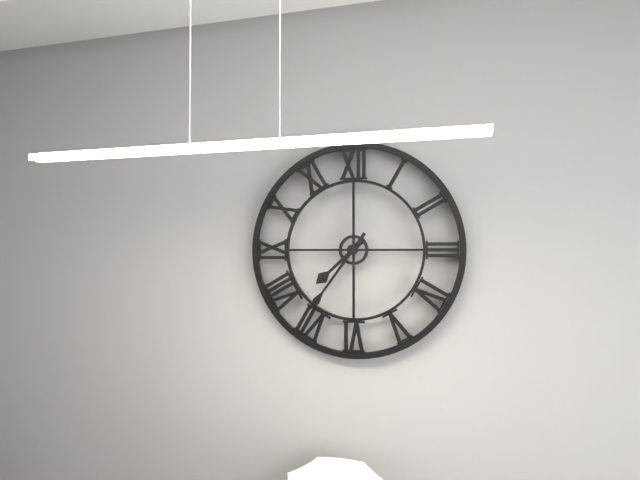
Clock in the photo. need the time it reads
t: 7:36
